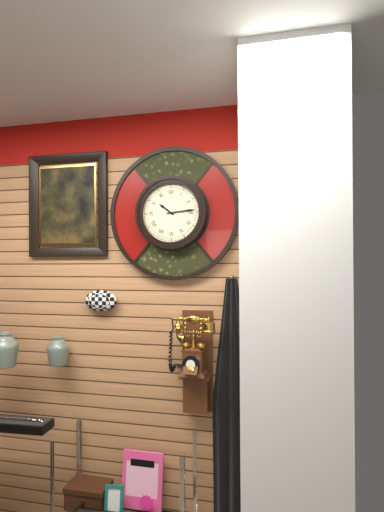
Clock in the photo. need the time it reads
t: 10:14
